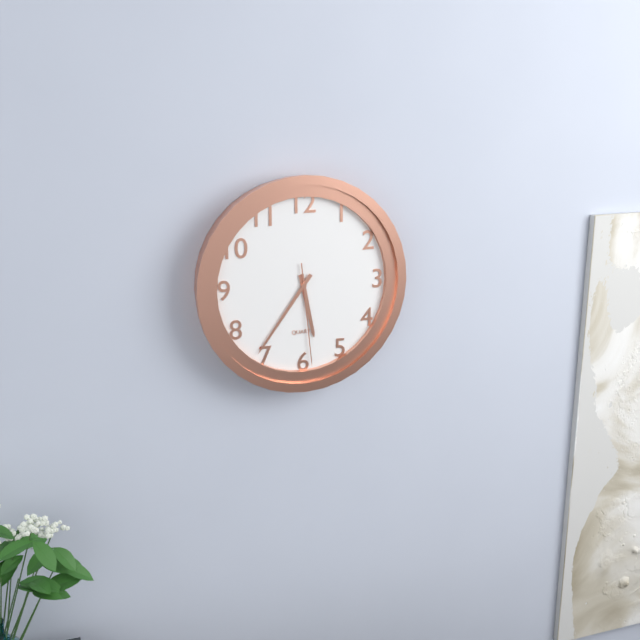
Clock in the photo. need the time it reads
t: 5:36:29
